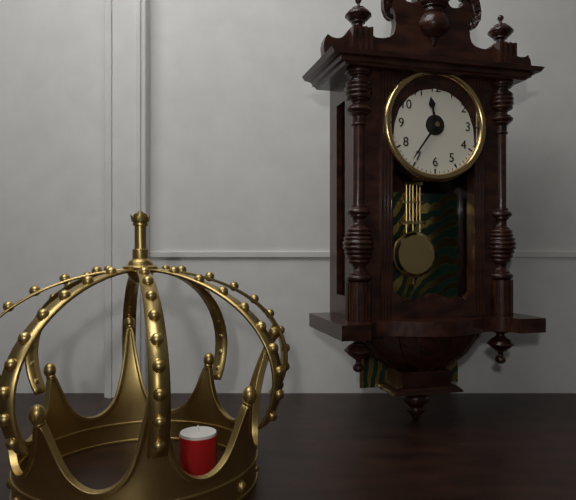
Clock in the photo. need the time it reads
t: 11:36
